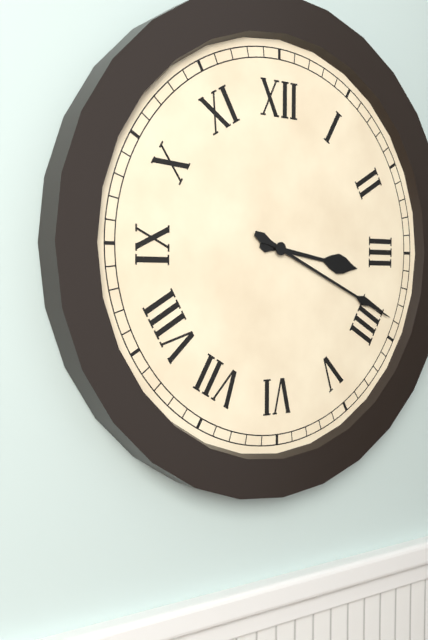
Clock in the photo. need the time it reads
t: 3:19
